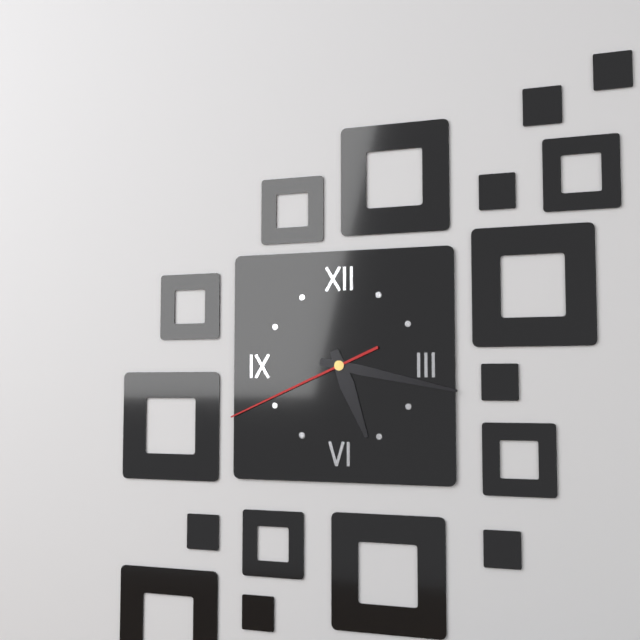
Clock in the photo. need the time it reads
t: 5:17:41
